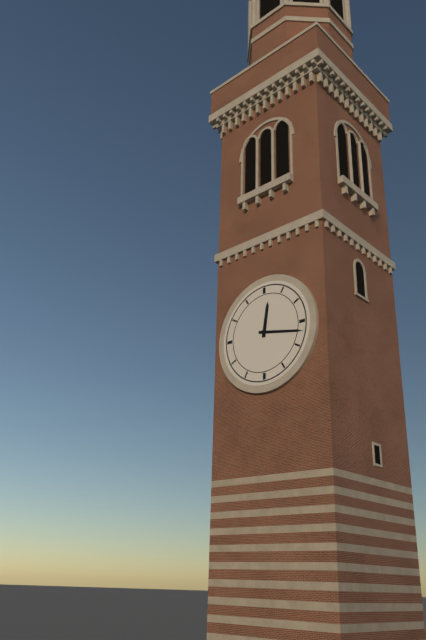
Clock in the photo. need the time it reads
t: 12:17
